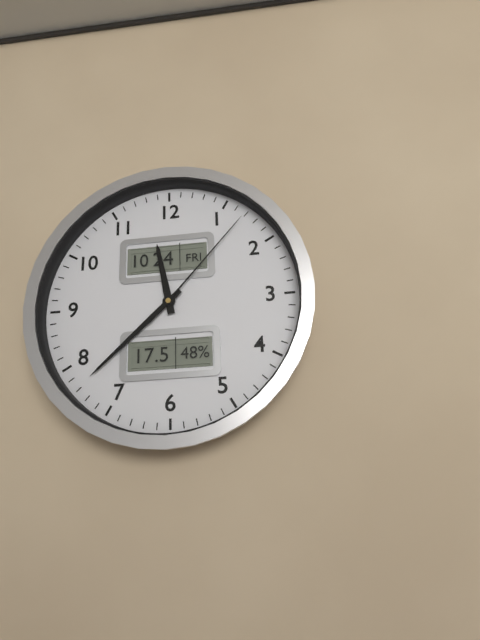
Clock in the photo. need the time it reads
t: 11:38:07
